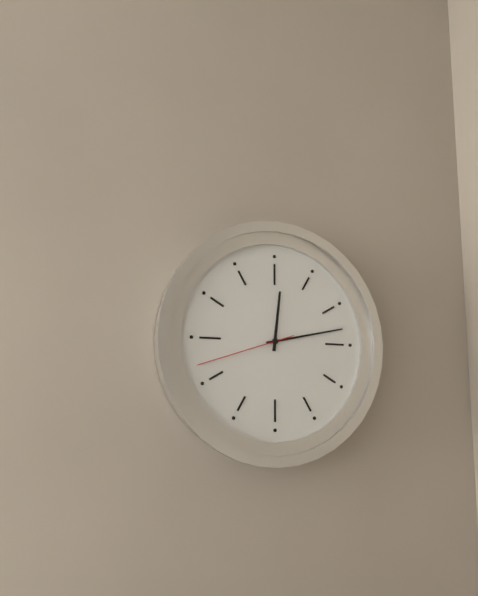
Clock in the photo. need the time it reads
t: 12:13:42
